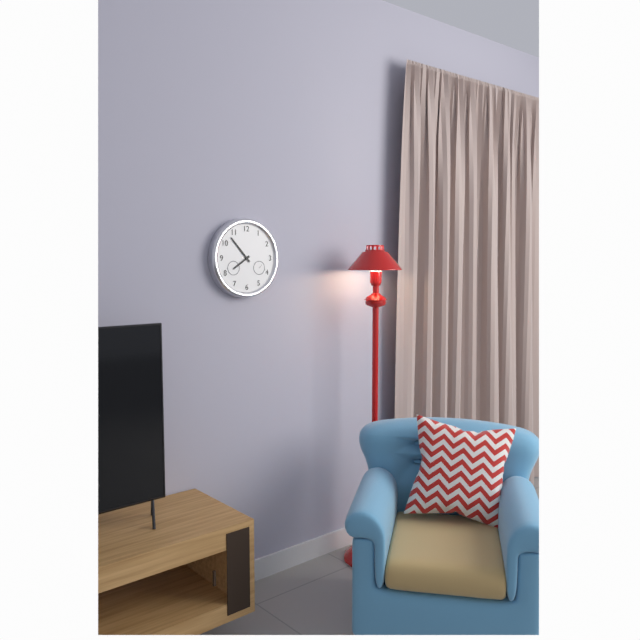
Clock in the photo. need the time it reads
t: 7:53
